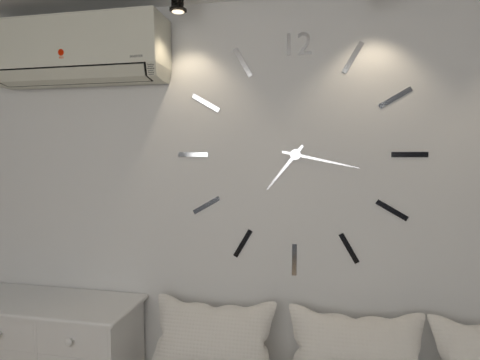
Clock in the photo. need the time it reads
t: 7:17
